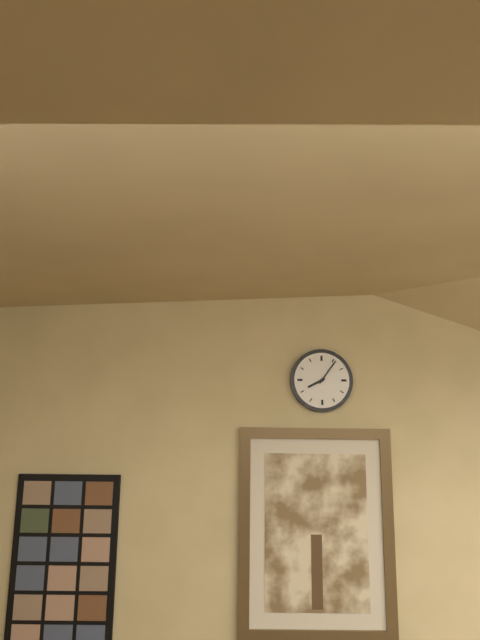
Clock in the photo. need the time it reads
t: 8:06
